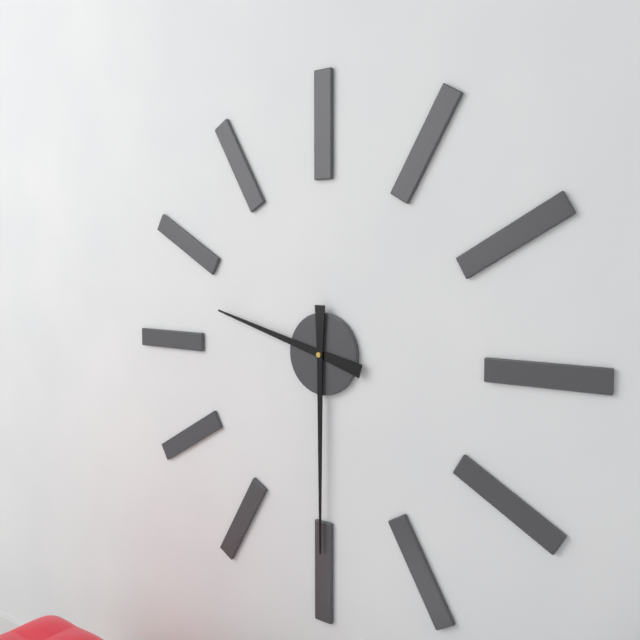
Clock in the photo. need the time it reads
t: 9:30
